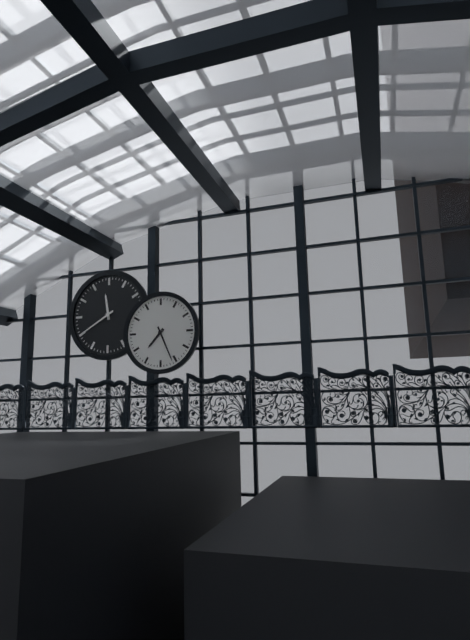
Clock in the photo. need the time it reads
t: 7:26
